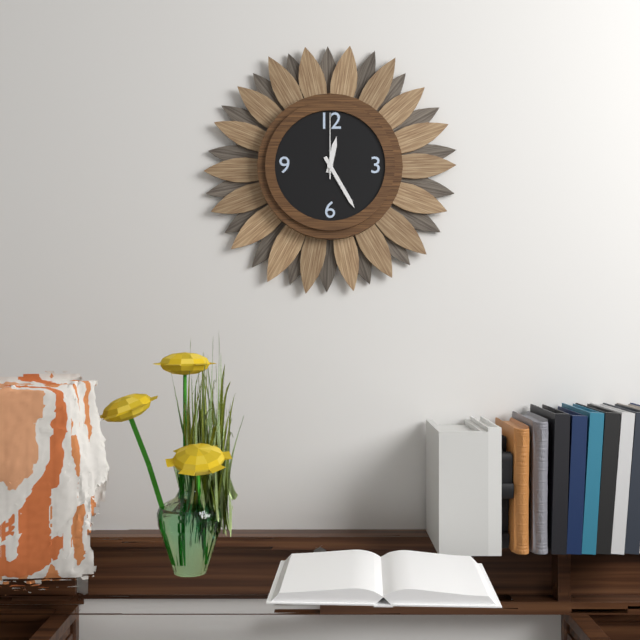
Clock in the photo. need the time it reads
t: 12:25:00
